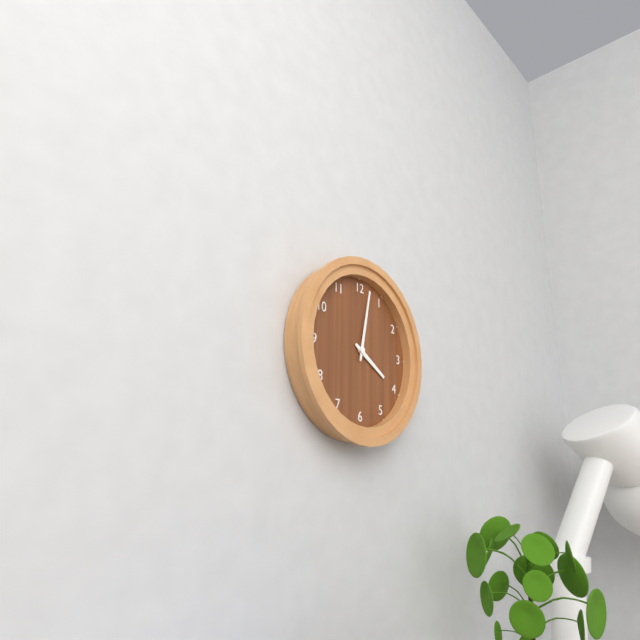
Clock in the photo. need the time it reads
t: 4:02
